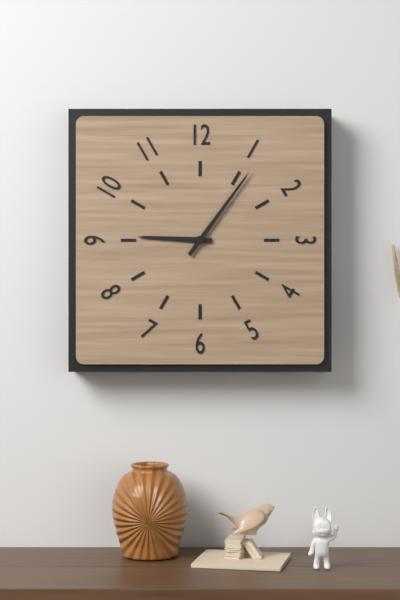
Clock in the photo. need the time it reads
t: 9:06
